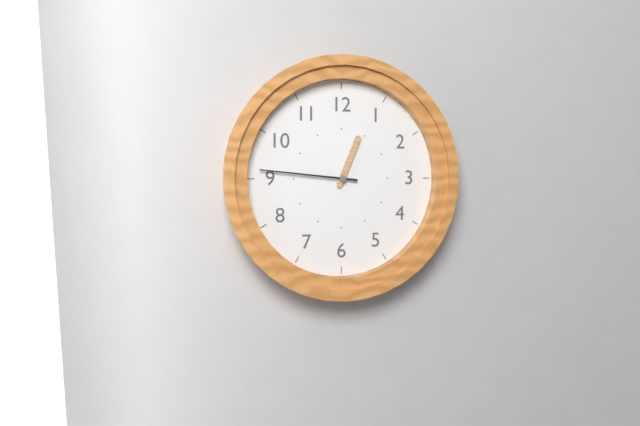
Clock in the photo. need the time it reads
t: 12:46
